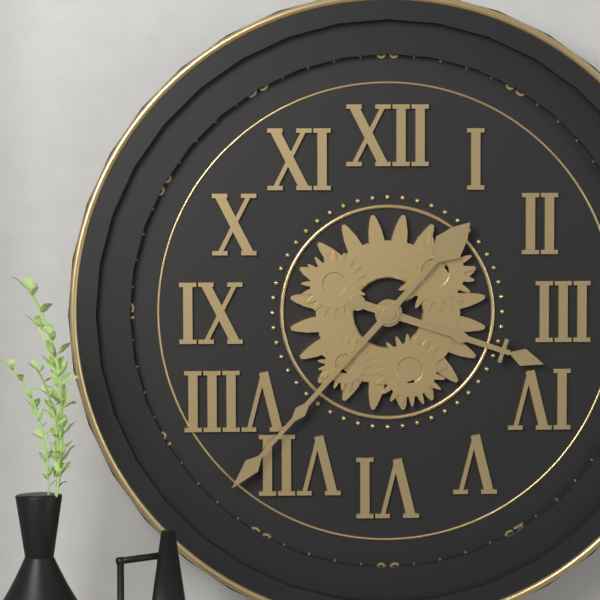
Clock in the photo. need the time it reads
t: 3:37
